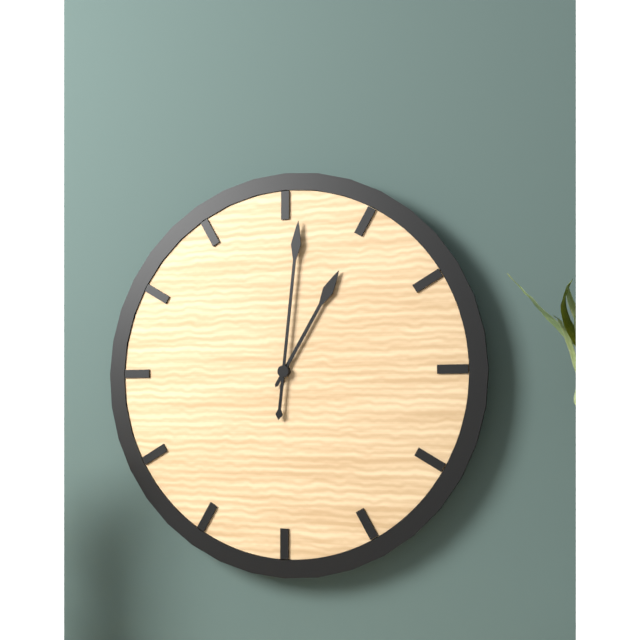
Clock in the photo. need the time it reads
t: 1:01
